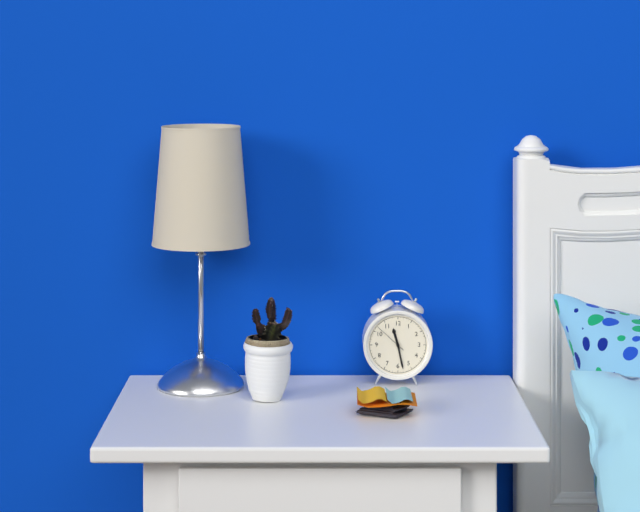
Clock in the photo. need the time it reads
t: 11:28
